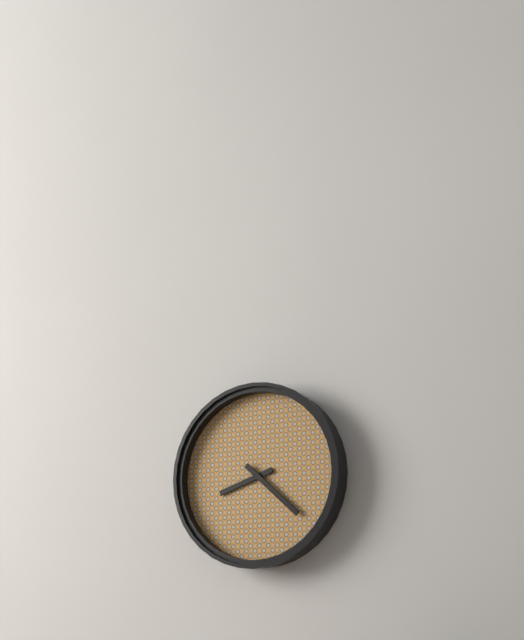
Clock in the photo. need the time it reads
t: 8:22
